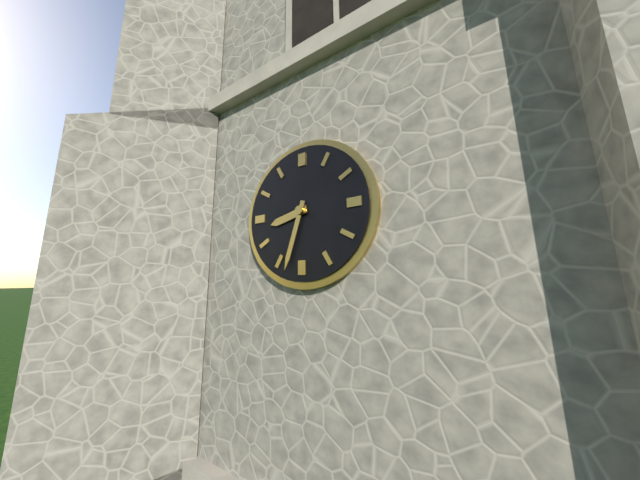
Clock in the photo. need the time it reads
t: 8:33
